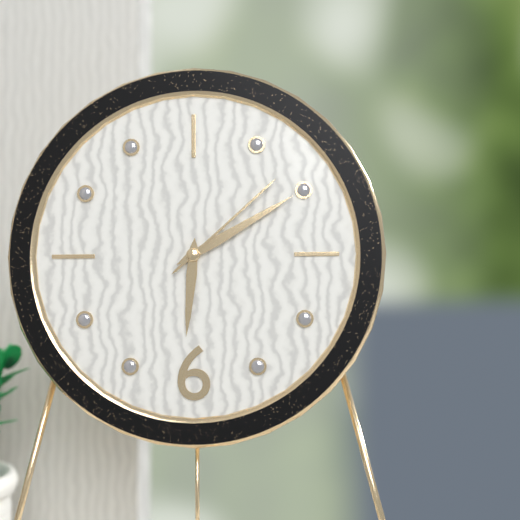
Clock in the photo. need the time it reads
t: 6:10:08
